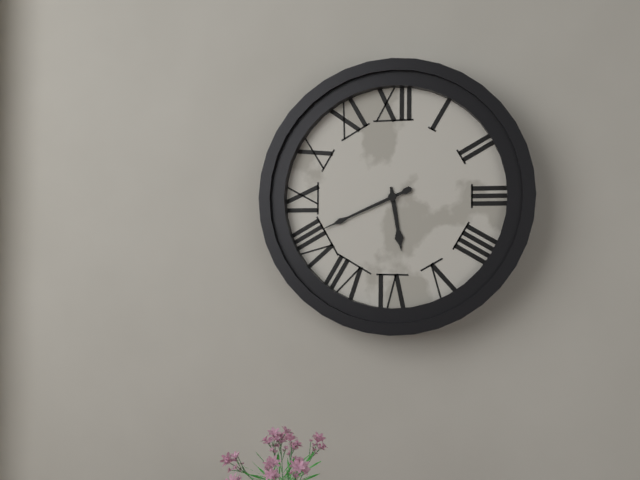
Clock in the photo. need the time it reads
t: 5:41
